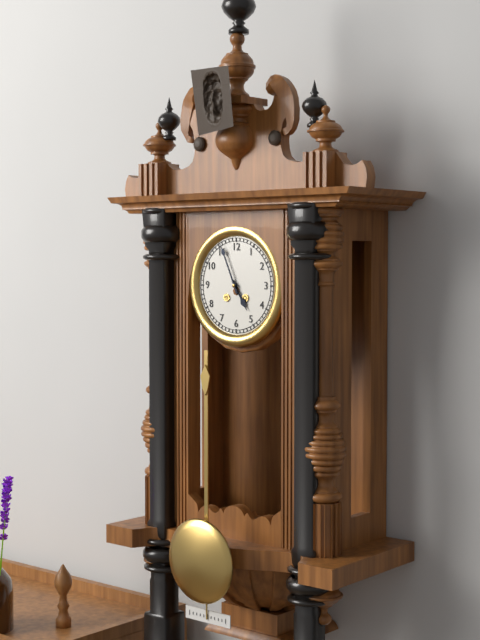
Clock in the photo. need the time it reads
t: 4:56
